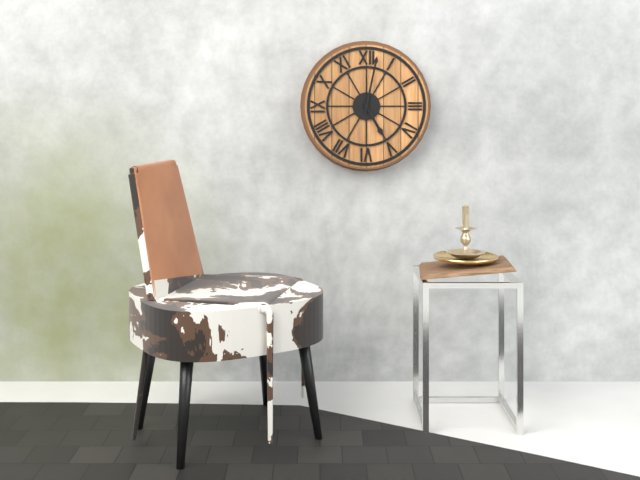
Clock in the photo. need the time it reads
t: 5:02
